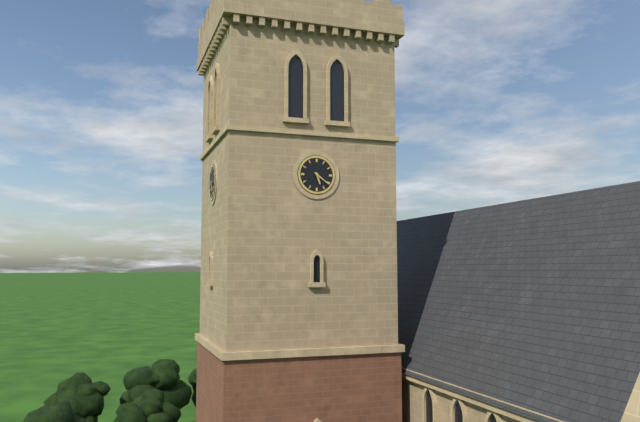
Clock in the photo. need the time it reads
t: 5:21
